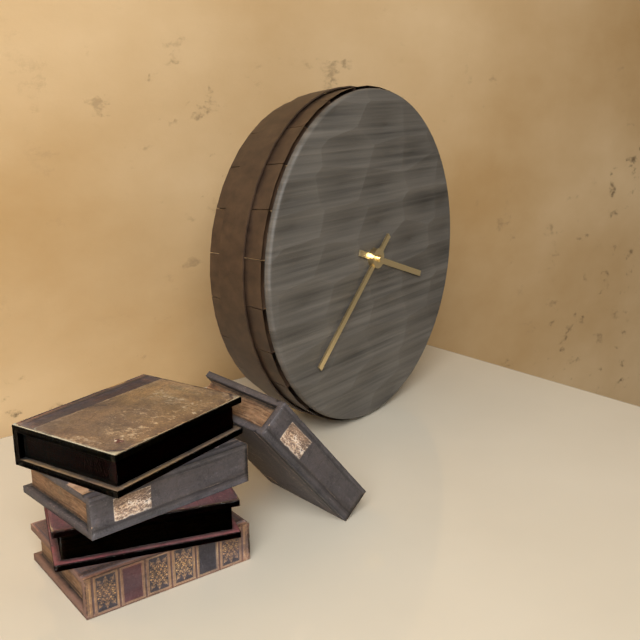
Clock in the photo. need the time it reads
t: 3:38
